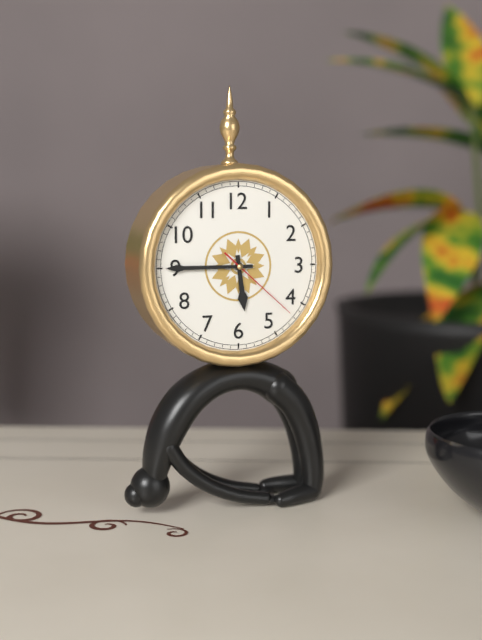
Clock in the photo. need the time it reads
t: 5:45:22
